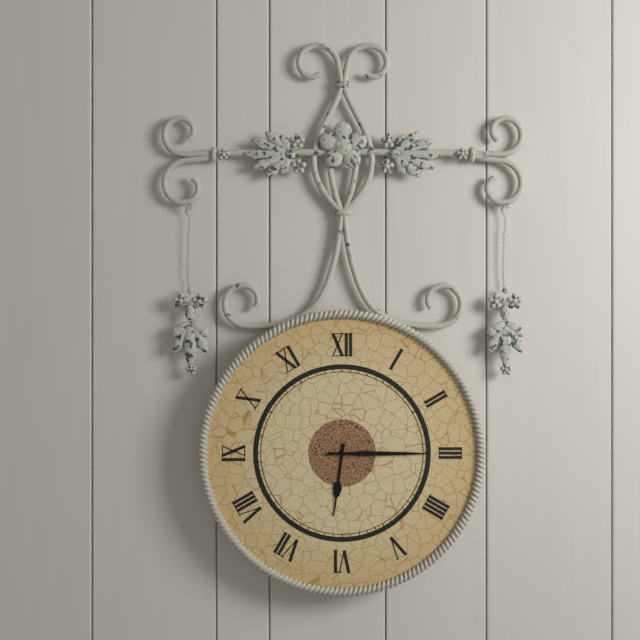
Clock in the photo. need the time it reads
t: 6:15
